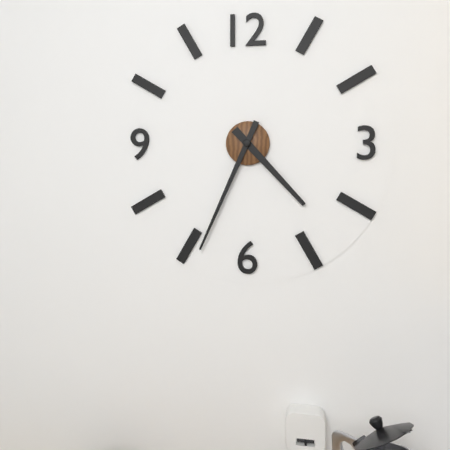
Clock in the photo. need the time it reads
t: 4:34
